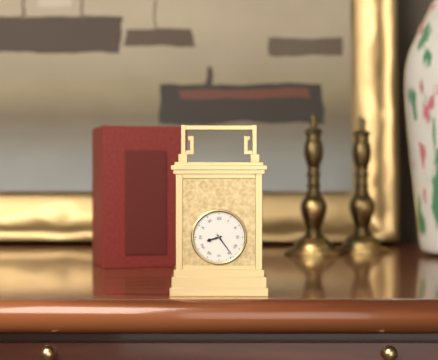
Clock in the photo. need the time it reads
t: 8:24
